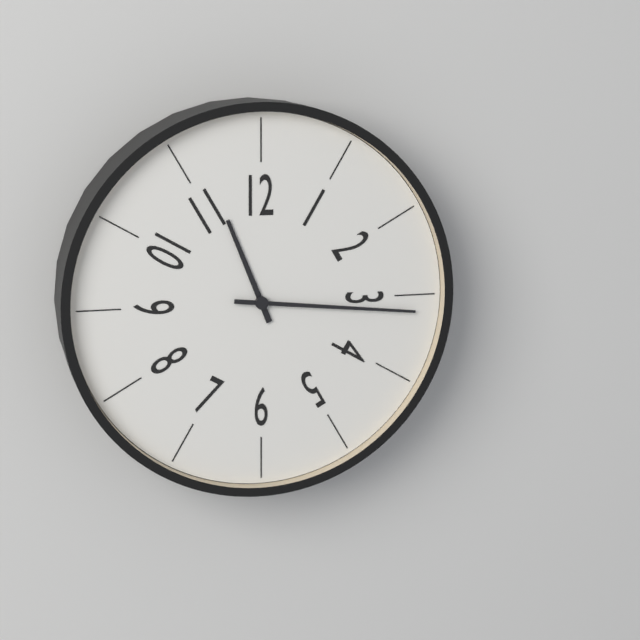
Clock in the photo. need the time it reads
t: 11:16
